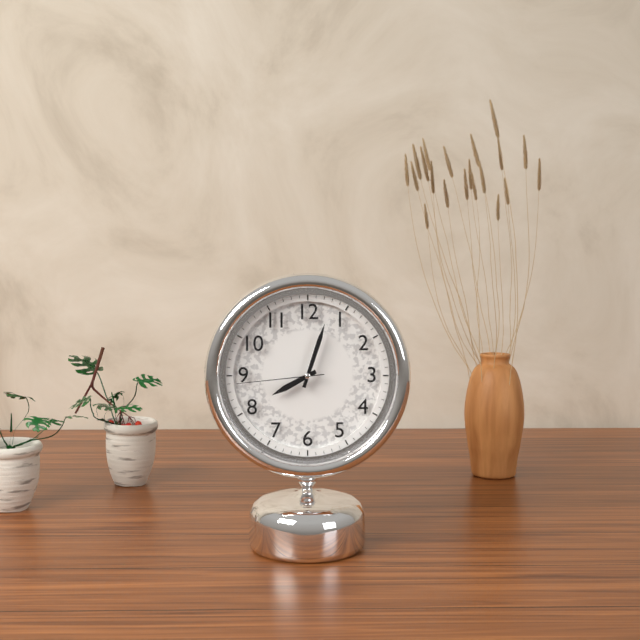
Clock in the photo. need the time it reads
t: 8:03:44
